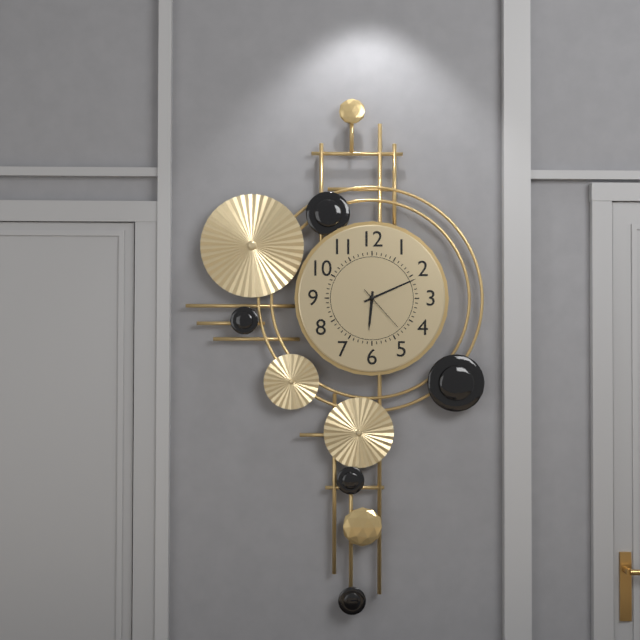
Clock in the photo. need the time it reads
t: 6:11
